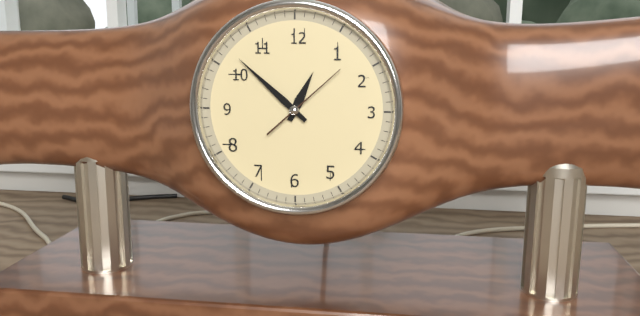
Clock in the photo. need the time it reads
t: 12:52:08
